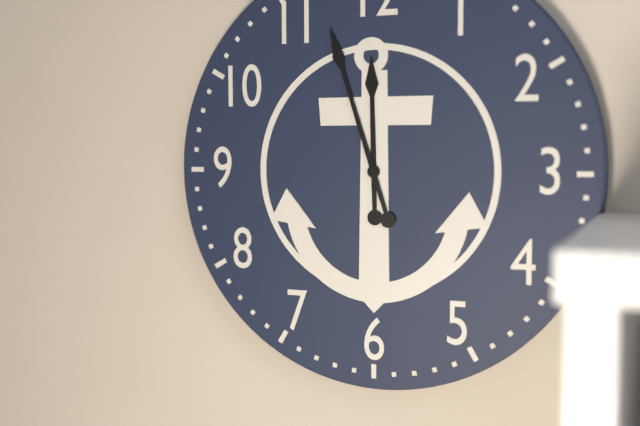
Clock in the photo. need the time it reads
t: 11:57
